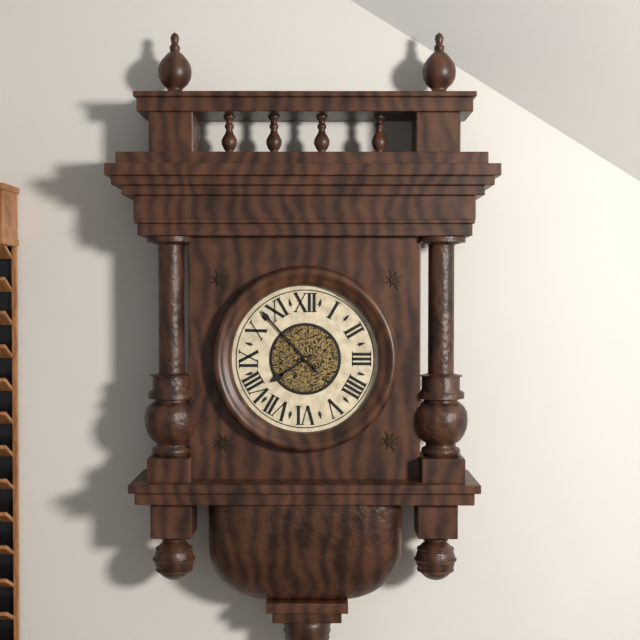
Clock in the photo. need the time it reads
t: 7:53
